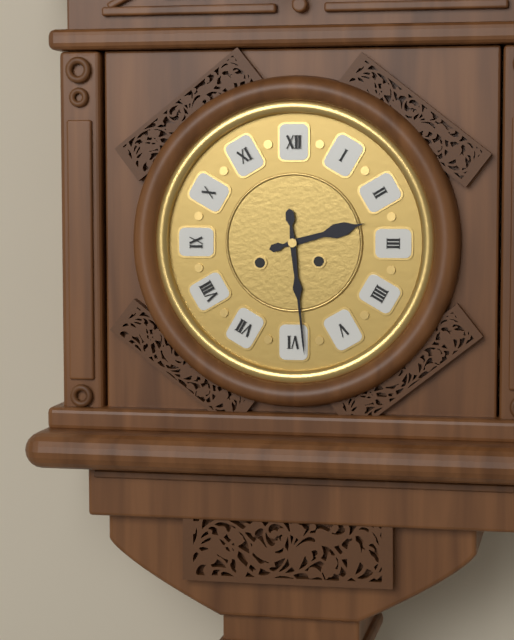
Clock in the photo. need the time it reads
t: 2:29
